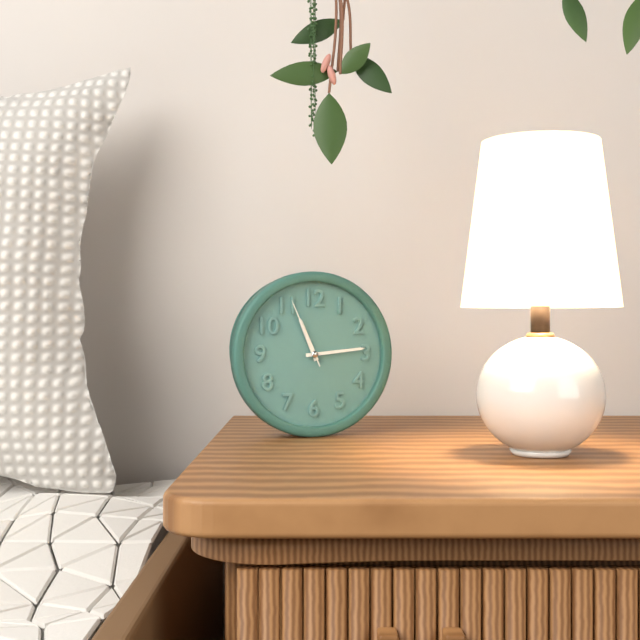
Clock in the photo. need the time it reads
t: 11:14:56
